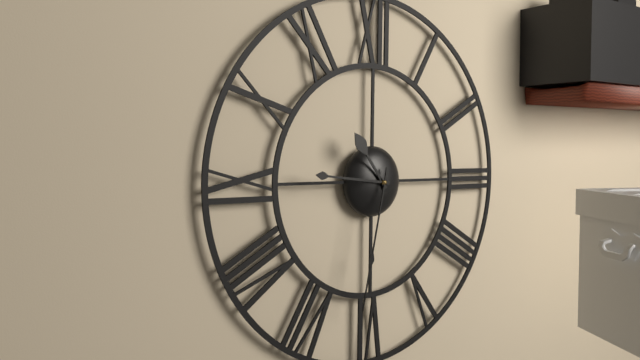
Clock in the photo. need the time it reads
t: 10:46:32
